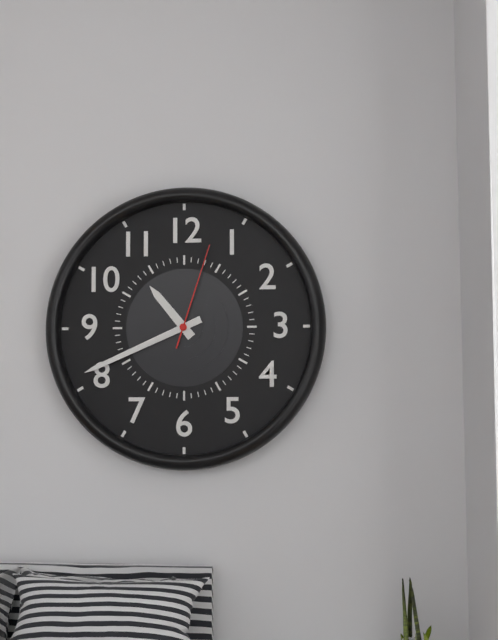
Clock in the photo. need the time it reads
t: 10:41:03
